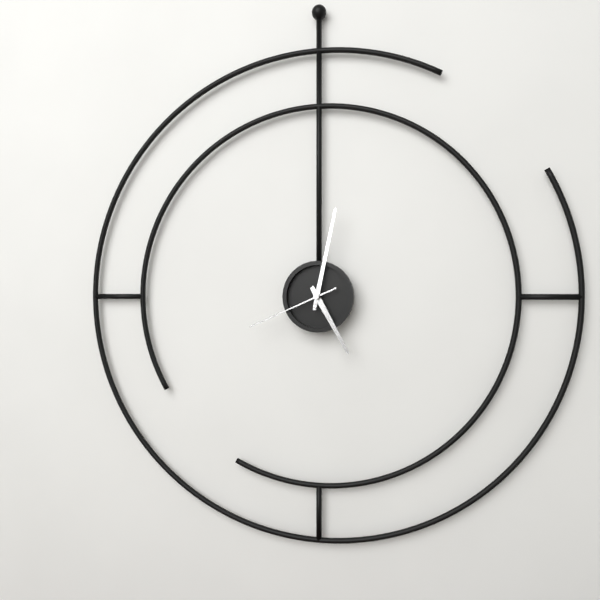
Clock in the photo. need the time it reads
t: 5:02:41
